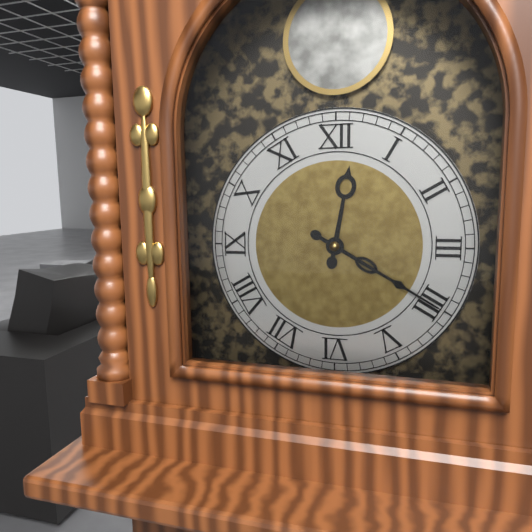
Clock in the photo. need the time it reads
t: 12:20
